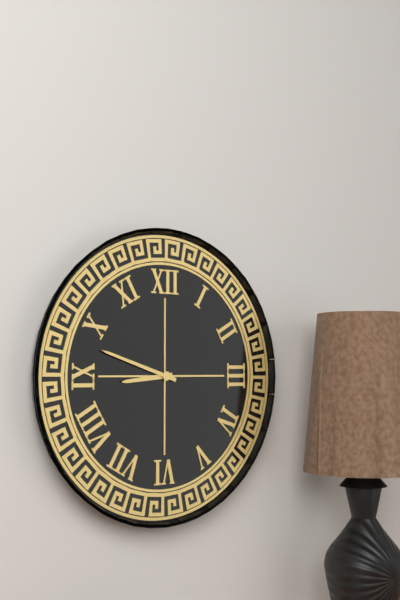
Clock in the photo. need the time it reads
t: 8:48
